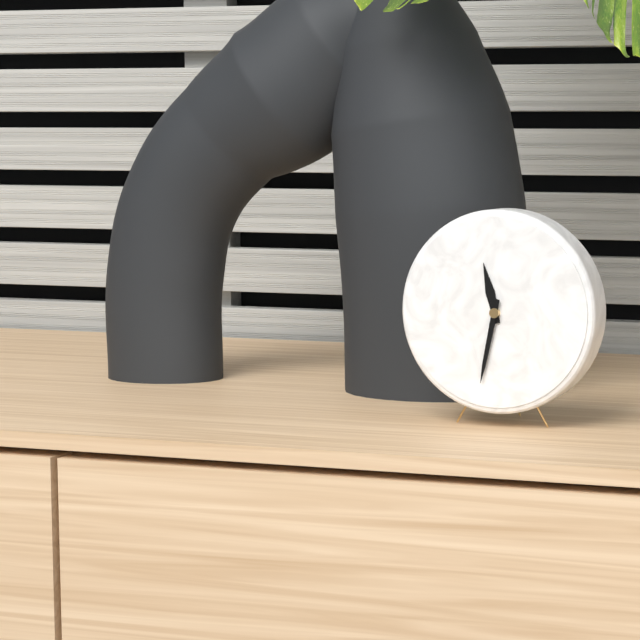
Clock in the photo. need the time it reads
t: 11:32
